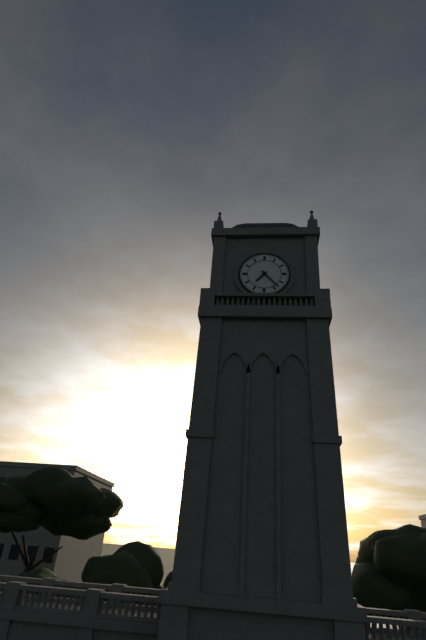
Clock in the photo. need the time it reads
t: 7:23
